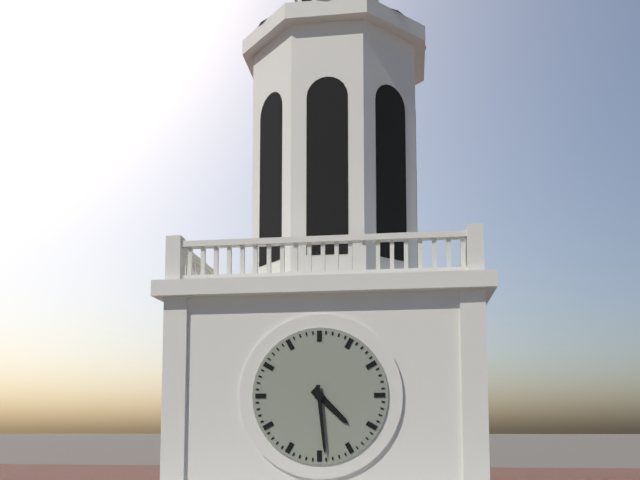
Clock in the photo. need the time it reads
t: 4:29
